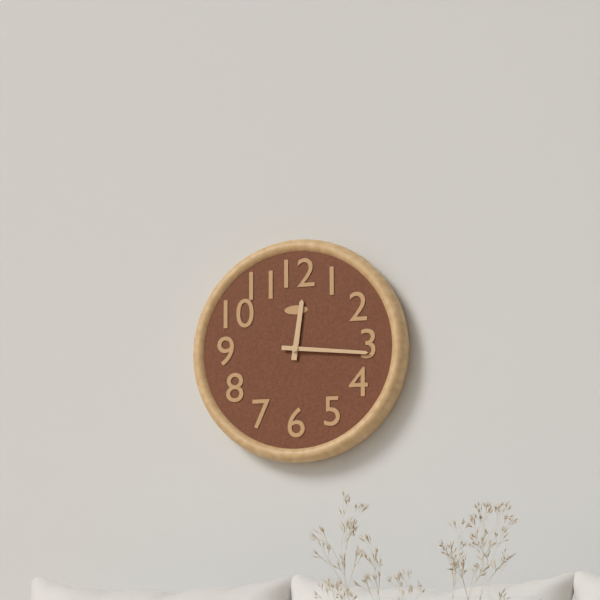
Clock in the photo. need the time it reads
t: 12:16
